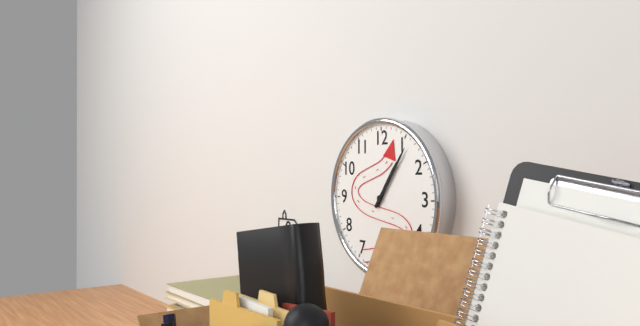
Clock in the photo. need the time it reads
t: 1:06
